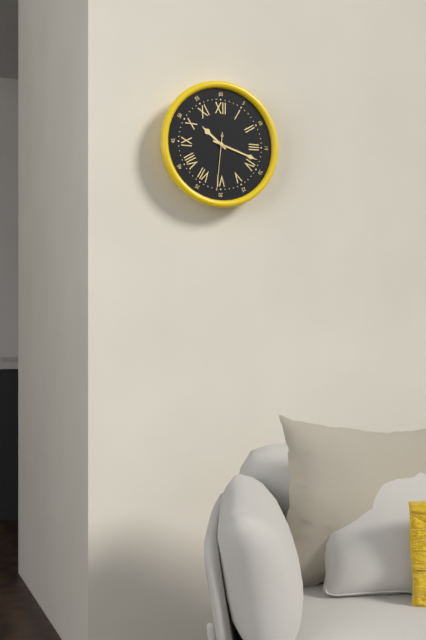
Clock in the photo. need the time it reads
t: 10:18:31
